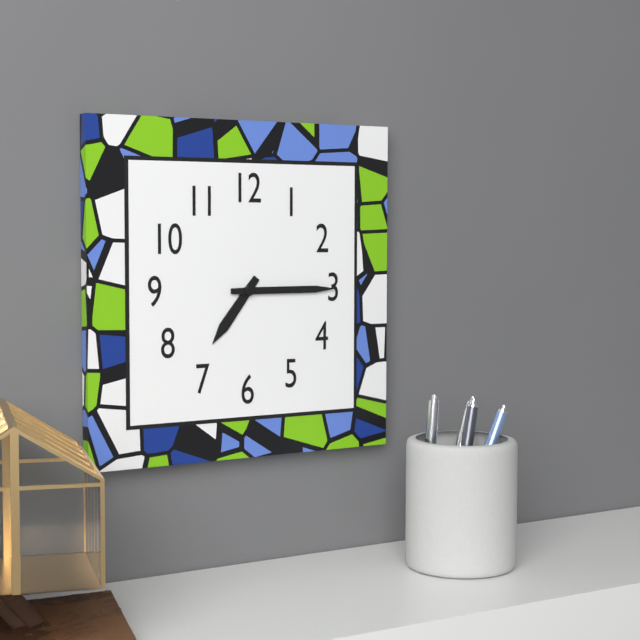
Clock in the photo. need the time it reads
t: 7:15
